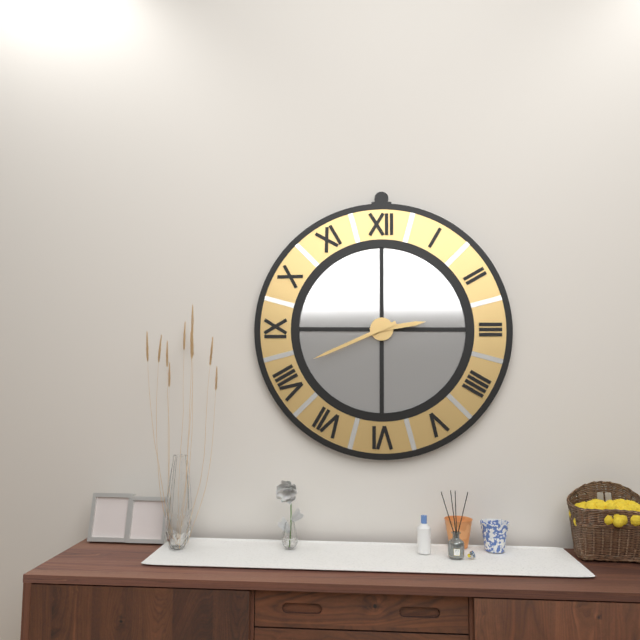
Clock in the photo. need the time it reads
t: 2:41
